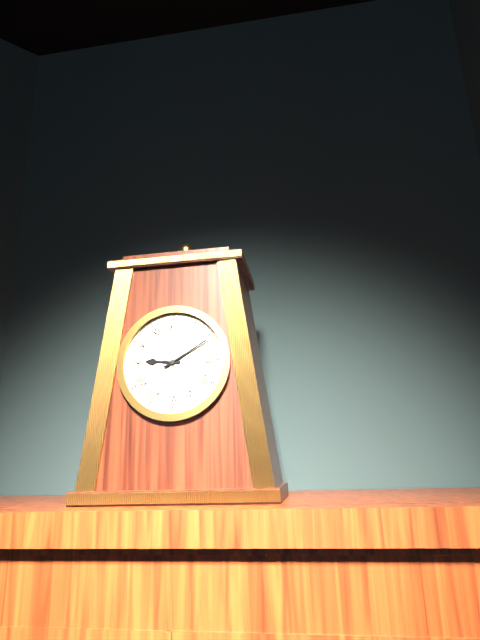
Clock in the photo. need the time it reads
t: 9:10
